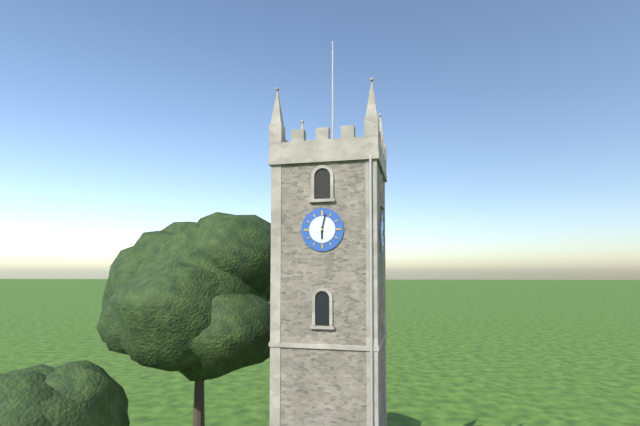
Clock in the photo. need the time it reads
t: 6:02
